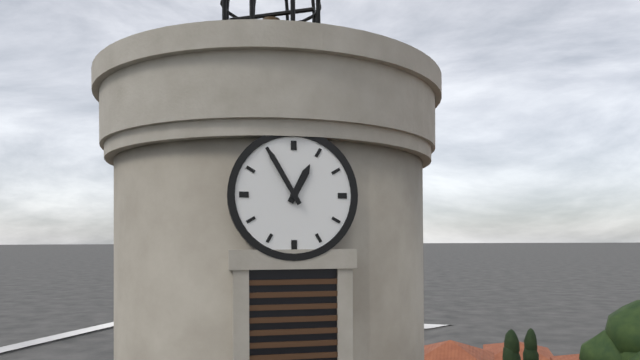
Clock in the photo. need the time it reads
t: 12:55
